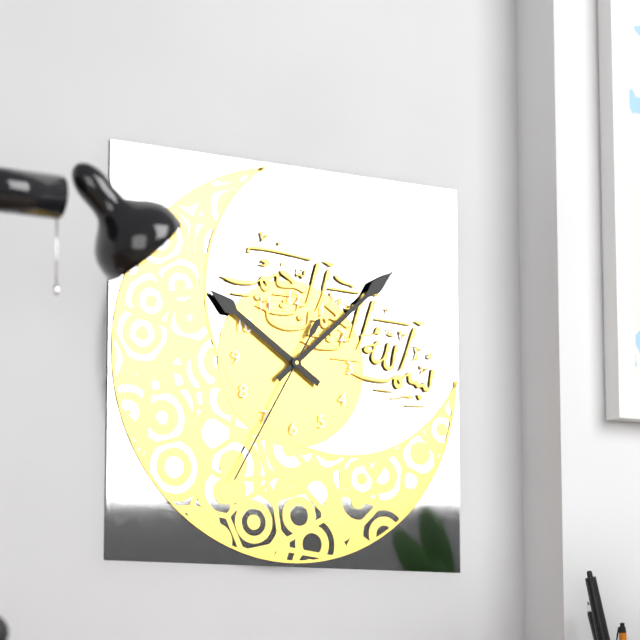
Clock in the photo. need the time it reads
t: 10:08:35
